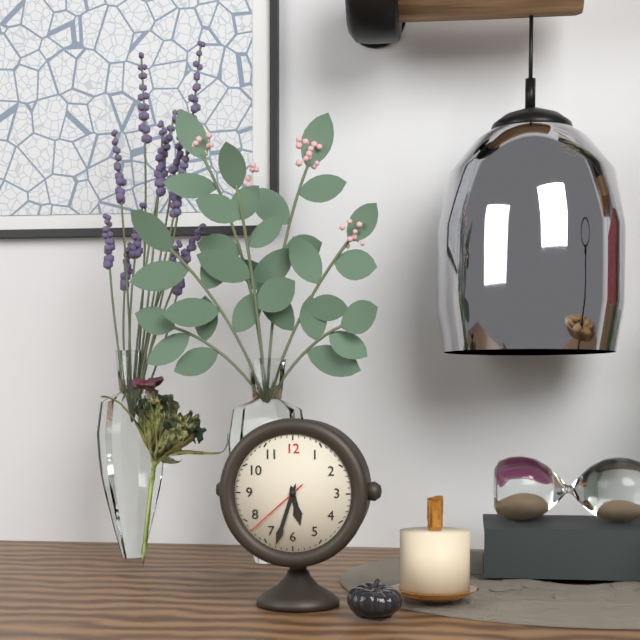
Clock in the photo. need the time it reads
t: 5:33:38
